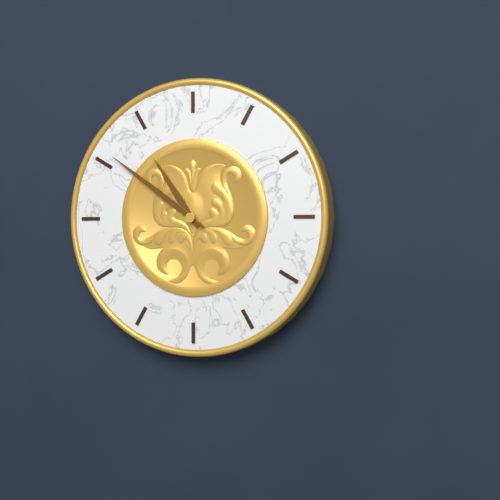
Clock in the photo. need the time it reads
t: 10:51
